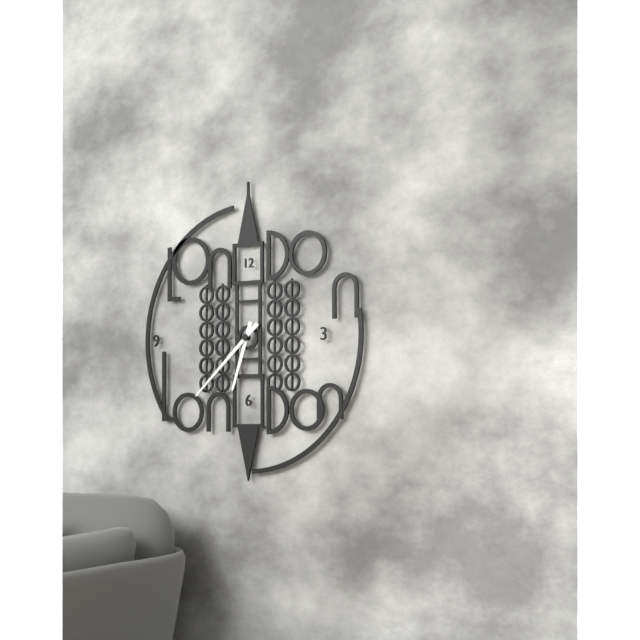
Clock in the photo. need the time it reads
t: 6:38
